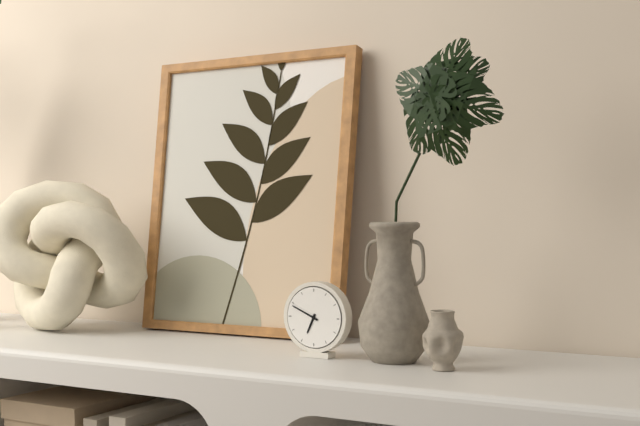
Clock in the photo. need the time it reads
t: 6:49
